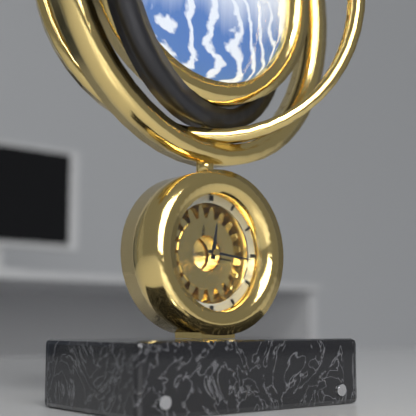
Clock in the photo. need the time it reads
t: 12:16
